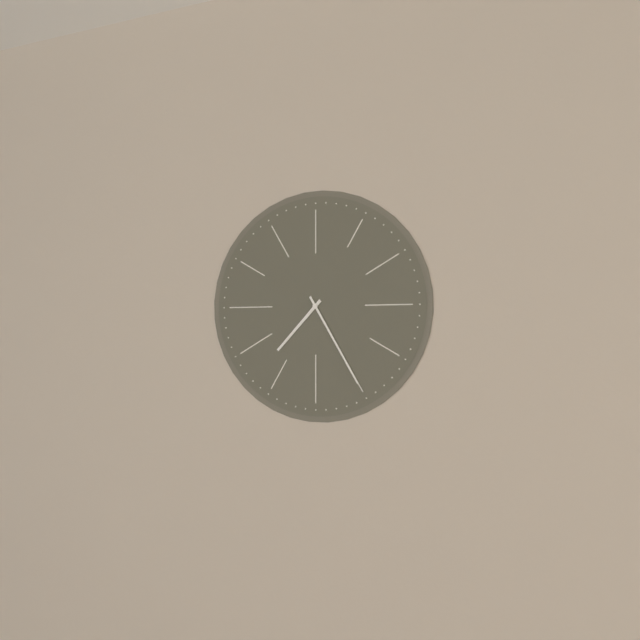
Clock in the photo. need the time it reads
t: 7:25
